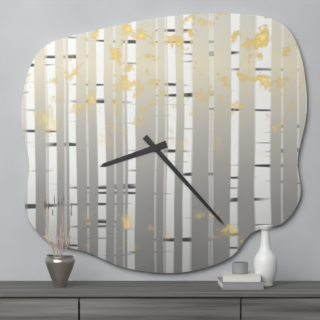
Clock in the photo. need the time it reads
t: 8:23
